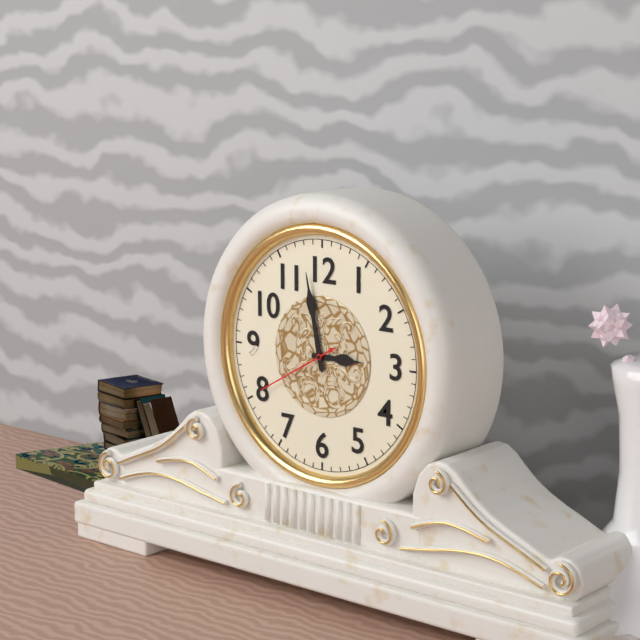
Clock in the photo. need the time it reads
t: 2:58:40
